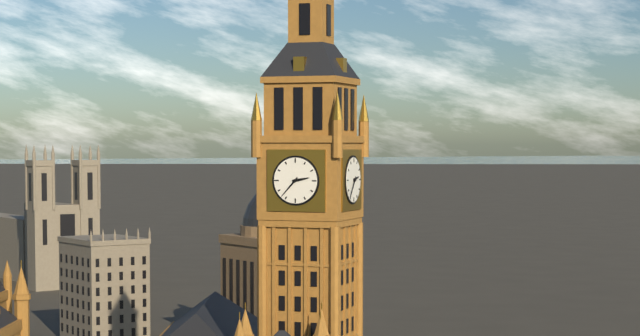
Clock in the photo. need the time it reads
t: 2:37
